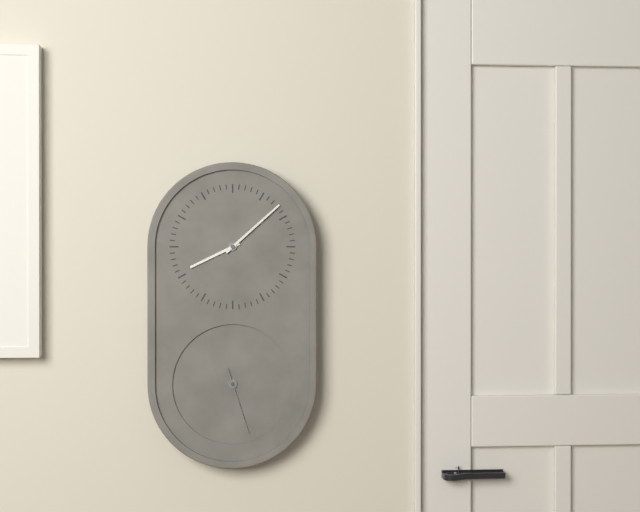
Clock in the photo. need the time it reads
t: 8:08:27
